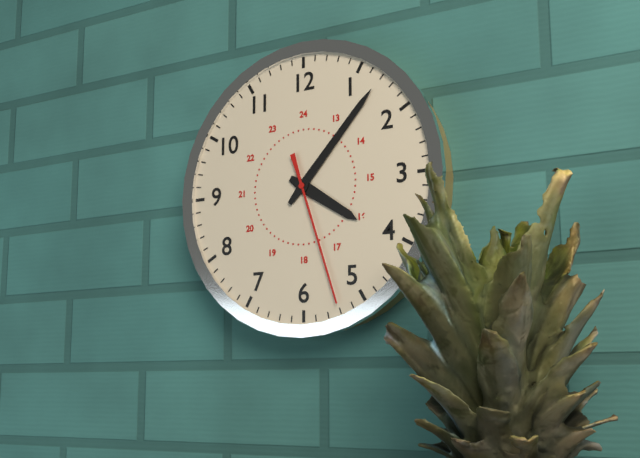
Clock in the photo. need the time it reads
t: 4:07:27
